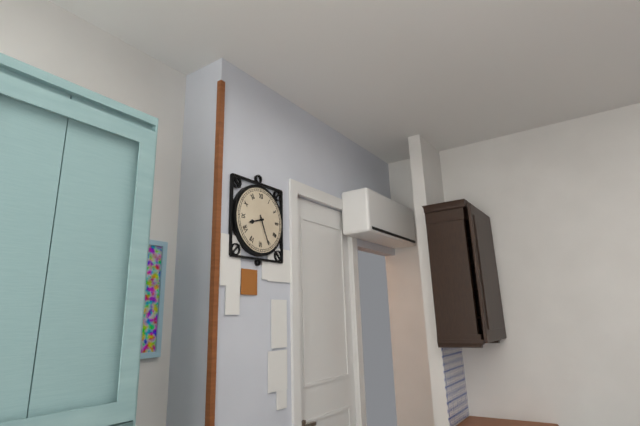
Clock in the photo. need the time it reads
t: 8:26
